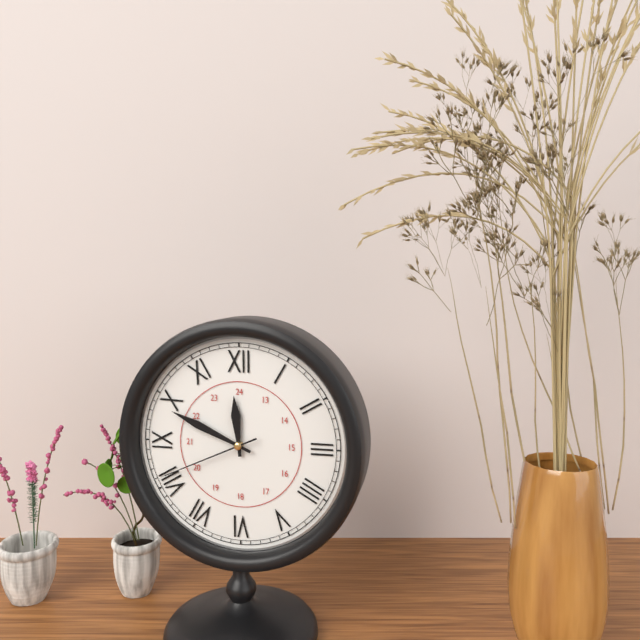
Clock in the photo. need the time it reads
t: 11:49:41
